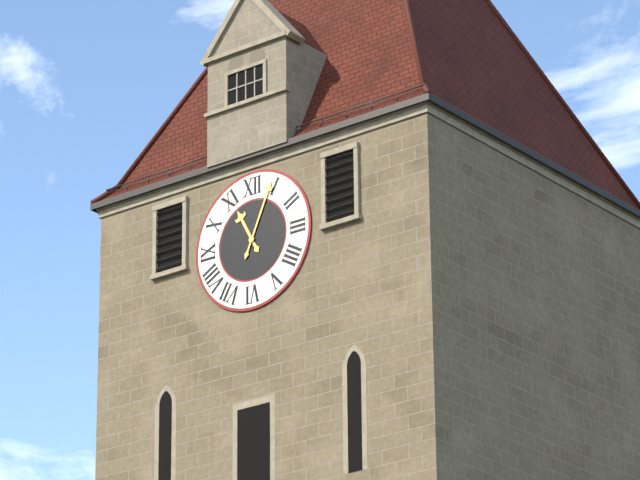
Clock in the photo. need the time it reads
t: 11:04
